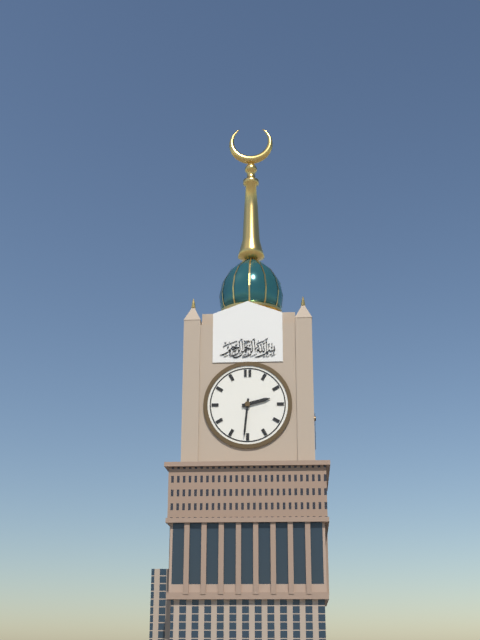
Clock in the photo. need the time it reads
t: 2:31
